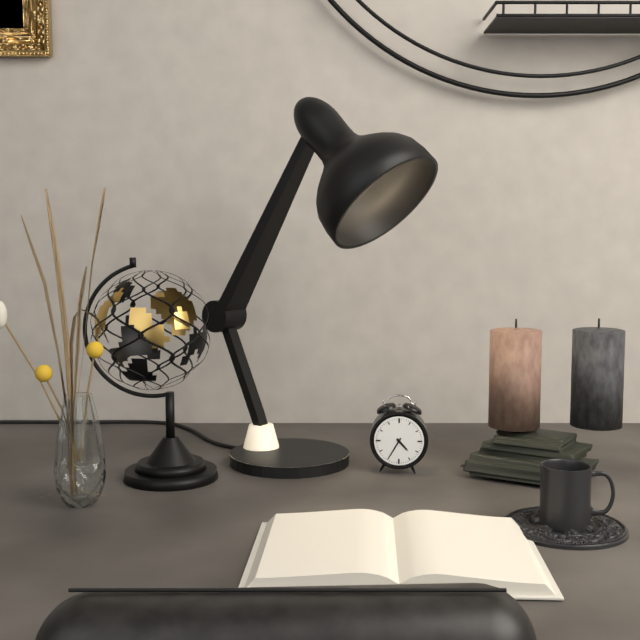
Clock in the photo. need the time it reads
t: 4:35
